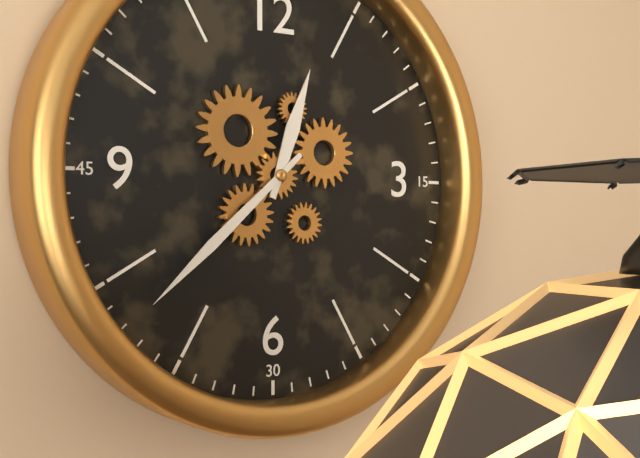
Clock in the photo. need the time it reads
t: 12:38
